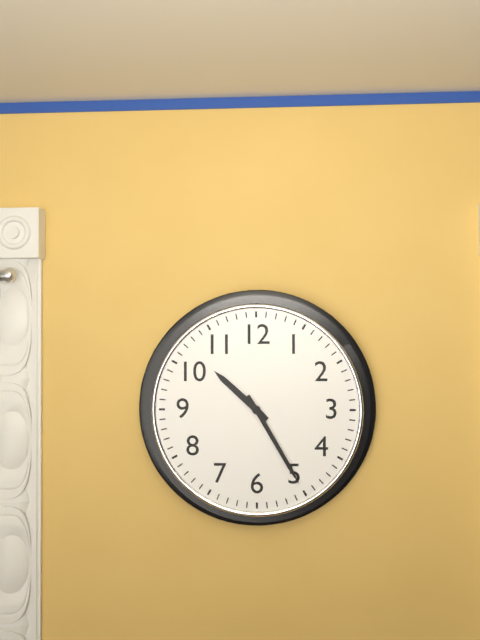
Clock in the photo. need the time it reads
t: 10:25
